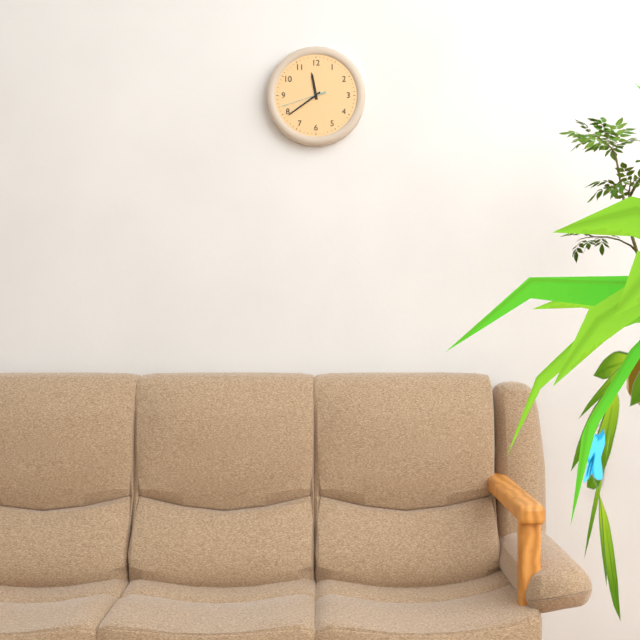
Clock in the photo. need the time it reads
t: 11:39
